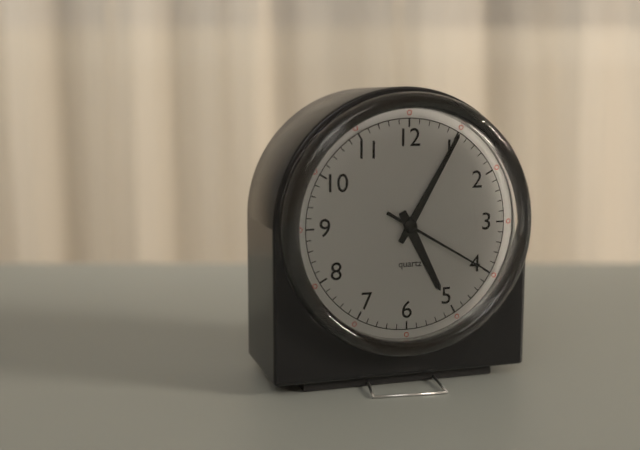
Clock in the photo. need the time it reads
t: 5:05:20
